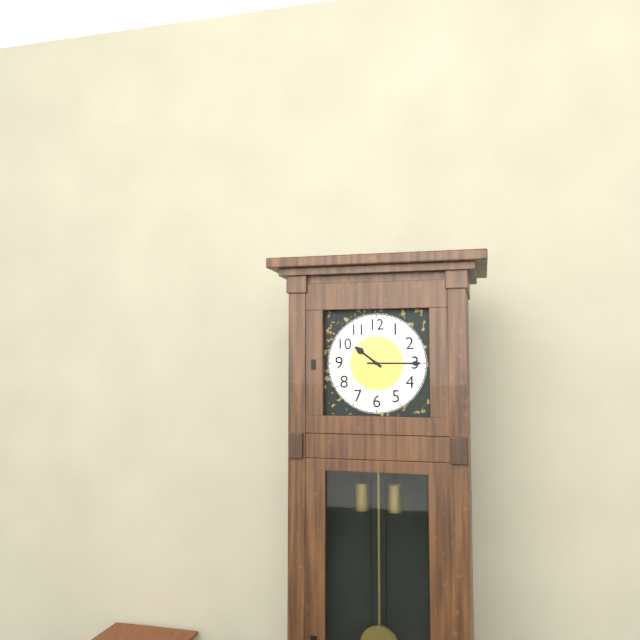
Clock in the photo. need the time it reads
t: 10:15
